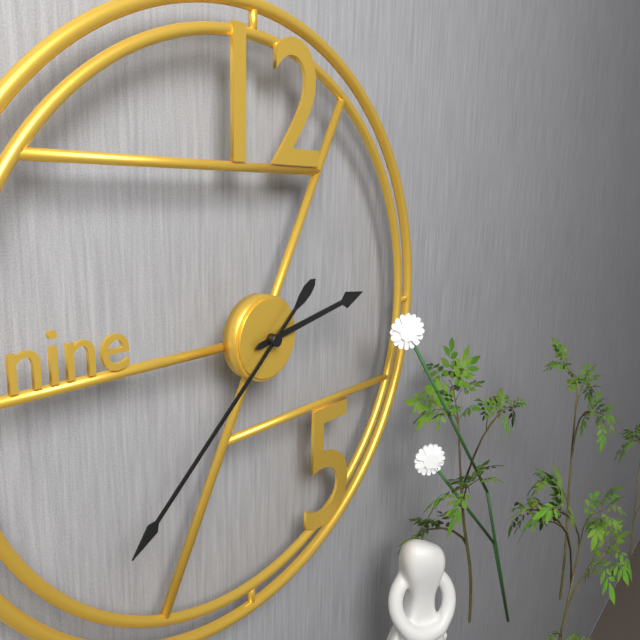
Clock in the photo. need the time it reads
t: 2:38
